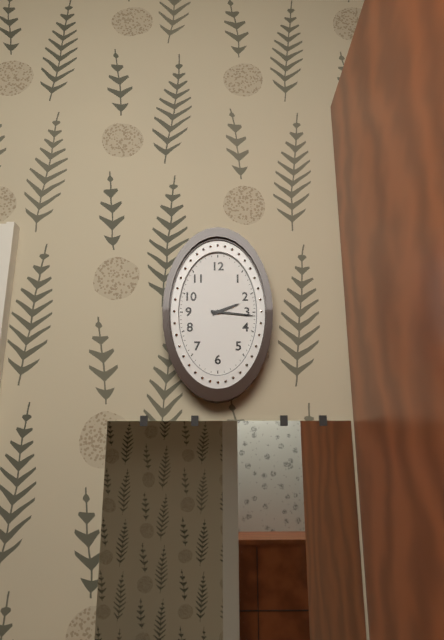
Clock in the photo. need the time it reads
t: 2:16
